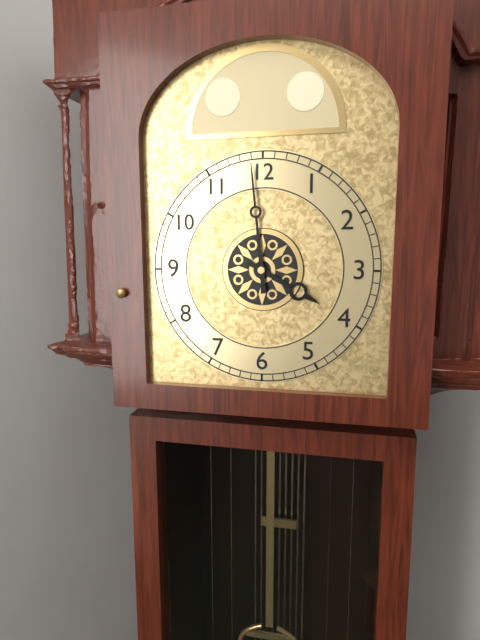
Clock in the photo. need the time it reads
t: 3:59
